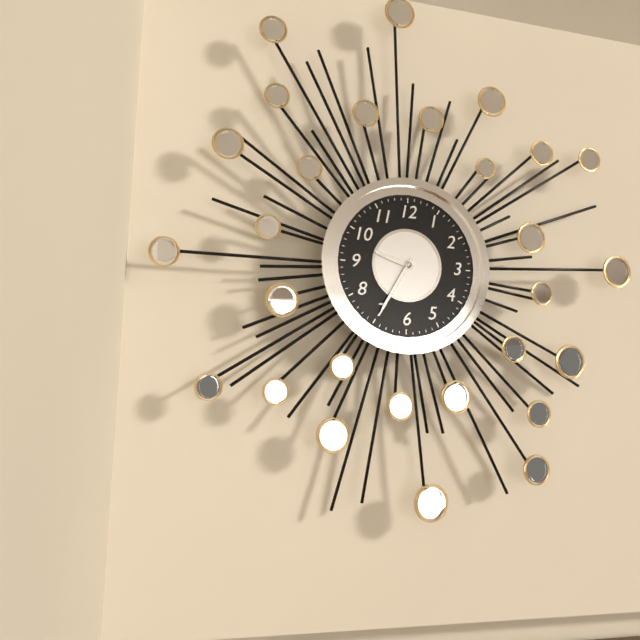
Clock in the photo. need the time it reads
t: 9:35
